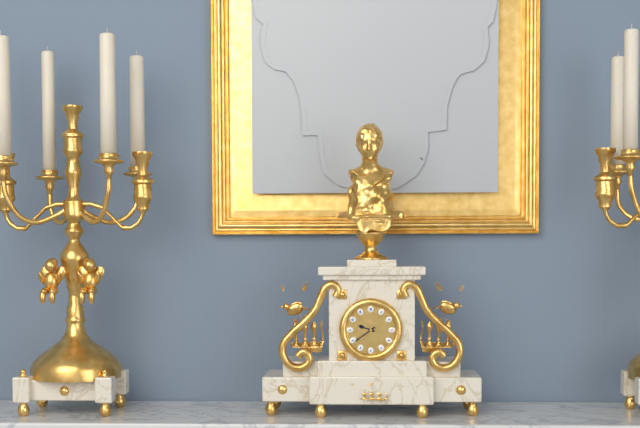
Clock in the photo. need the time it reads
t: 9:39
